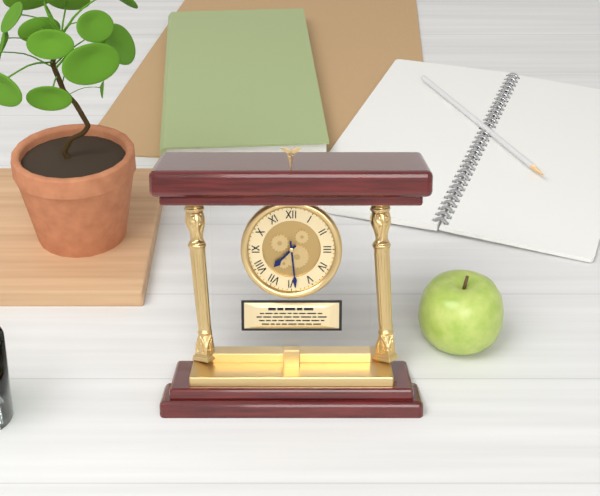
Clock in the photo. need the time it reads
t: 7:29
